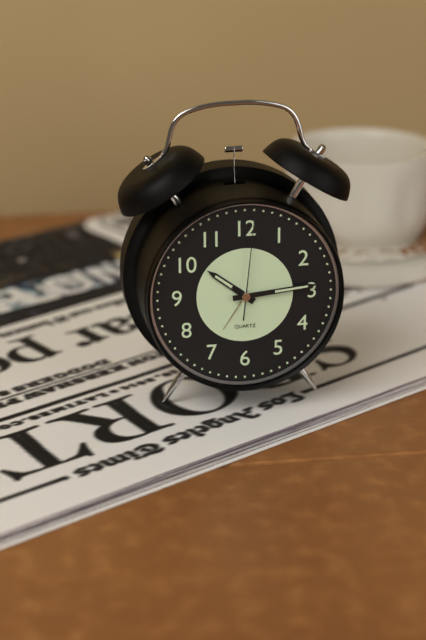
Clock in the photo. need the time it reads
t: 10:14:01
